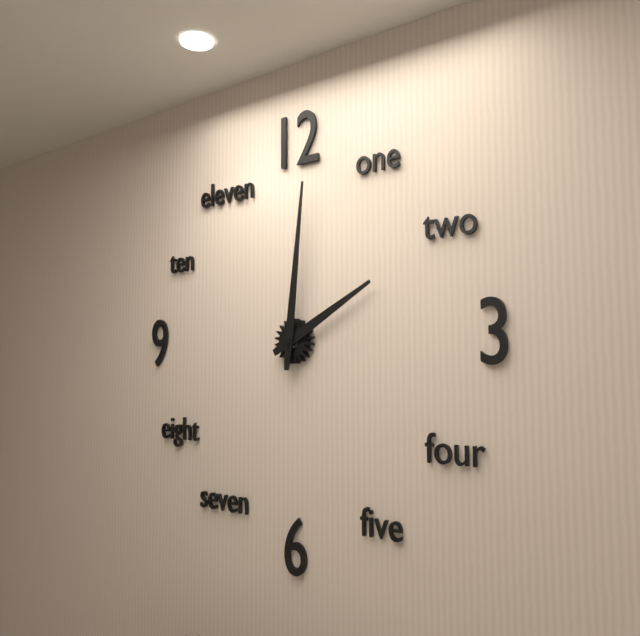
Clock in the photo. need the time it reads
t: 2:01
